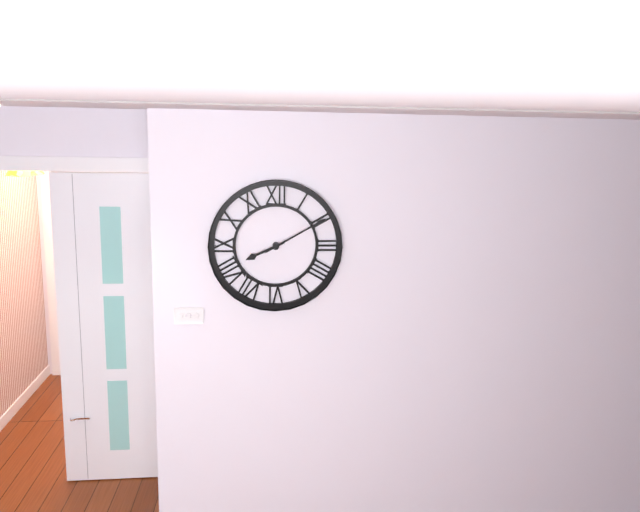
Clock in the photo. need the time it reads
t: 8:10
